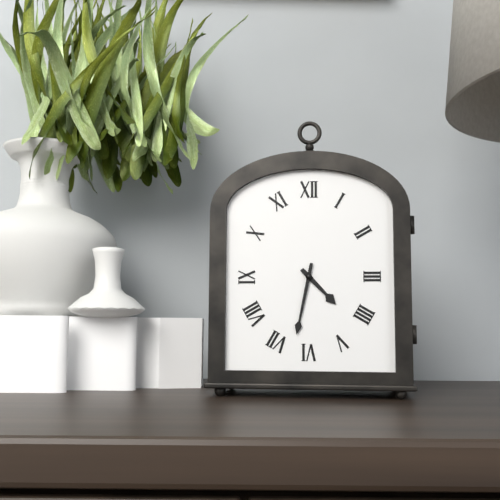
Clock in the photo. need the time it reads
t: 4:32
